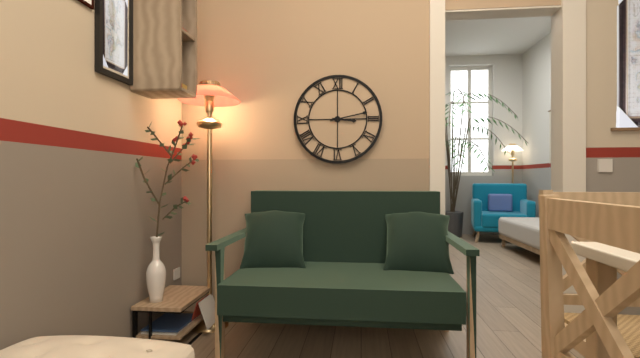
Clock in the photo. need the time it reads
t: 3:13
